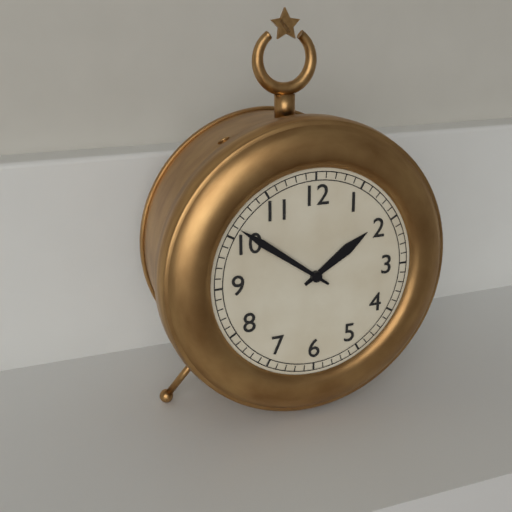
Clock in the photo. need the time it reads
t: 1:51
